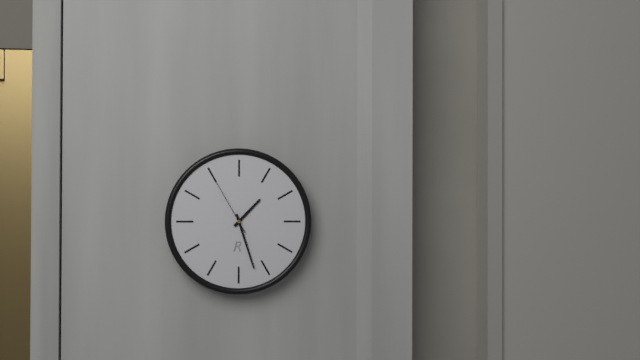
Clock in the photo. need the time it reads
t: 1:27:55
